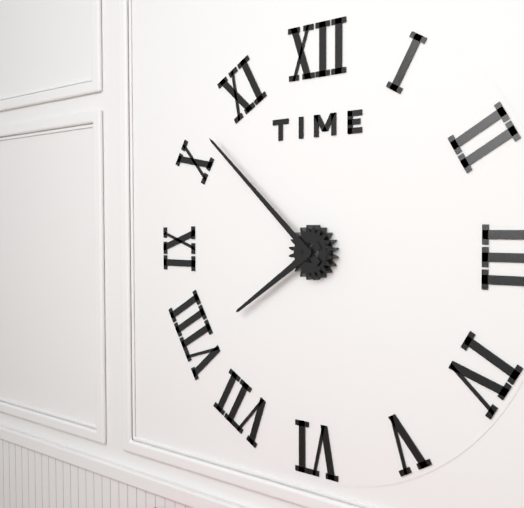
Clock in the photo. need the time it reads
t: 7:52
